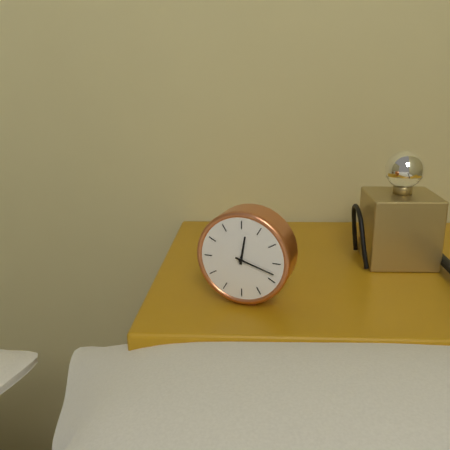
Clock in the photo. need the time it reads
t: 12:18
